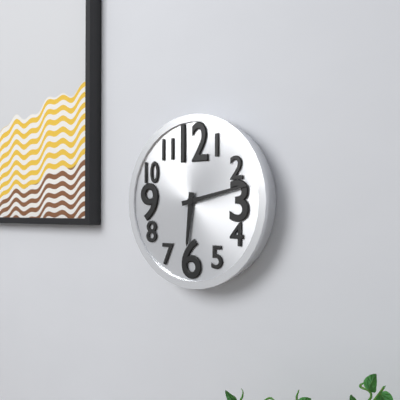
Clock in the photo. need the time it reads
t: 6:13
